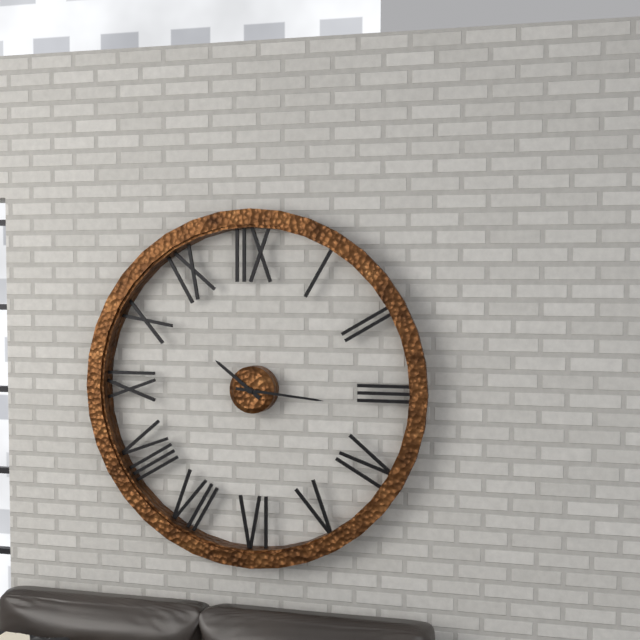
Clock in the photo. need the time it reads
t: 10:16
